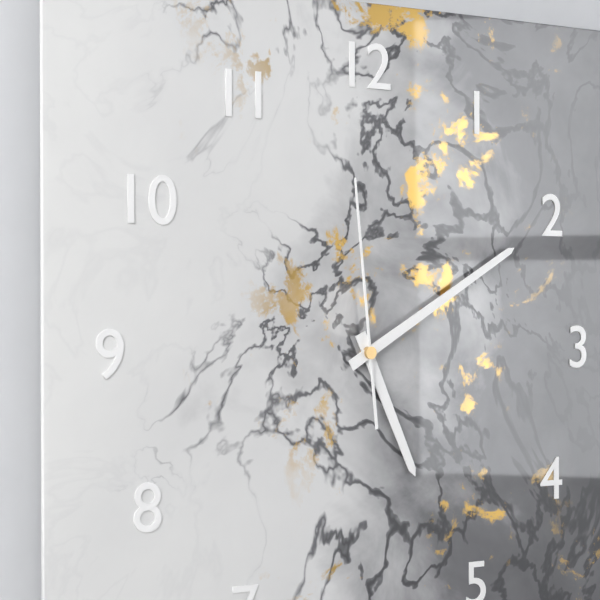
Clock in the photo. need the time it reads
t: 5:10:59
